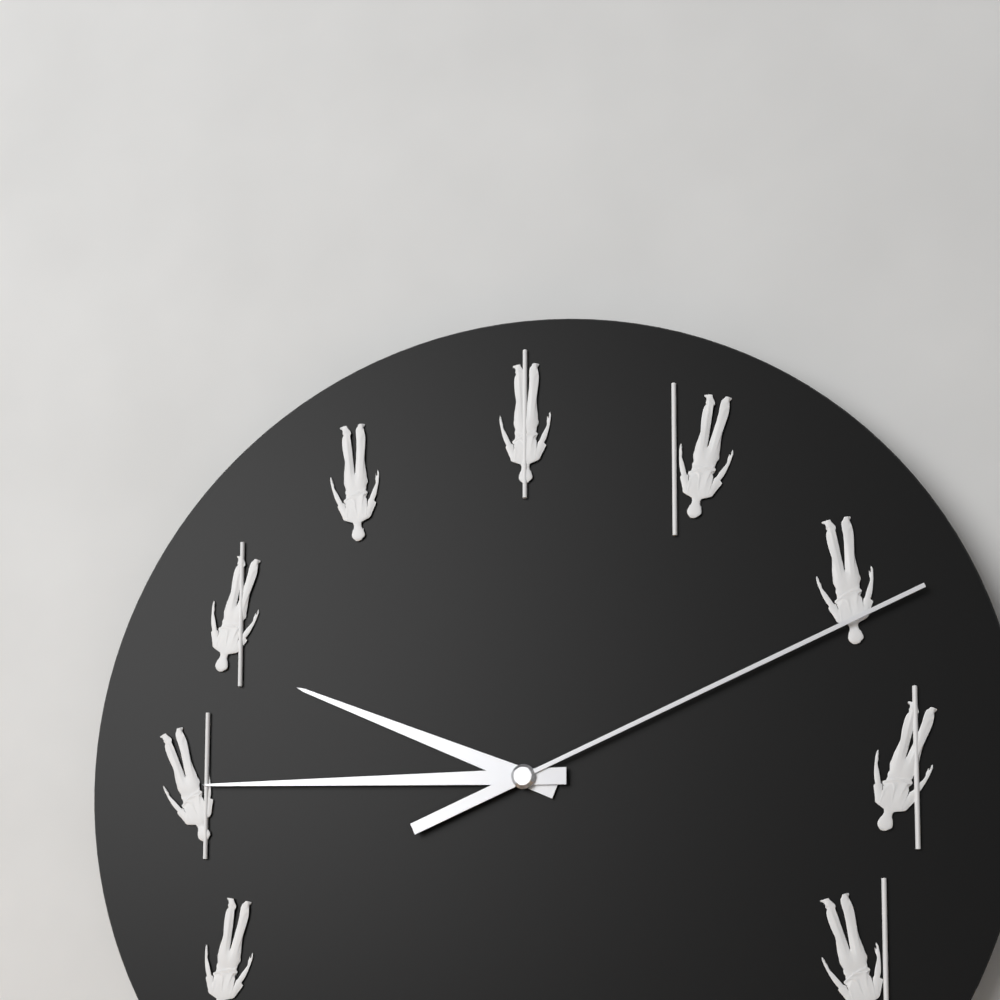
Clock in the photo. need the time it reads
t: 9:45:11
